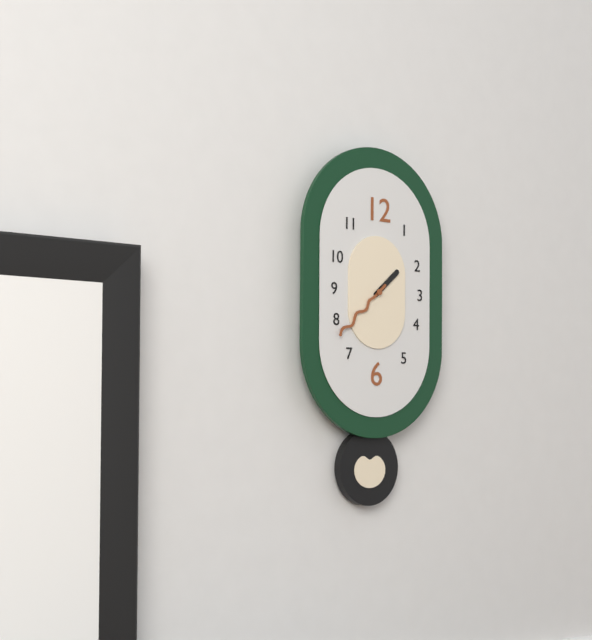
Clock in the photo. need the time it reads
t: 1:38
